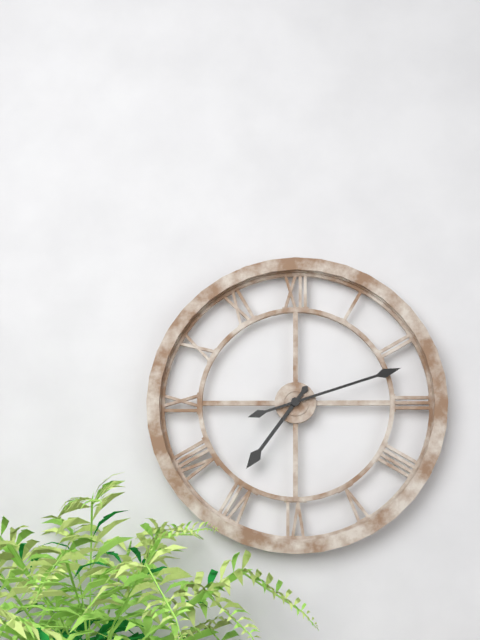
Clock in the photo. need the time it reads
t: 7:12
